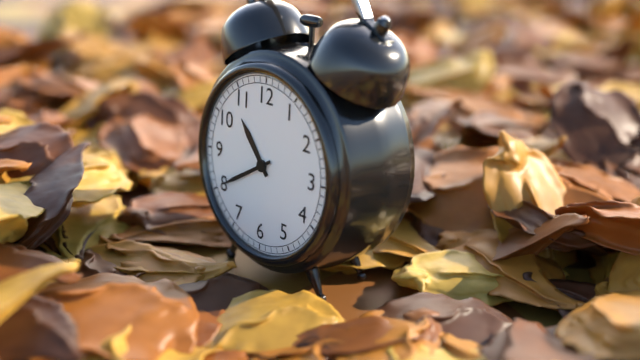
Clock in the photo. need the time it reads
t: 10:40
